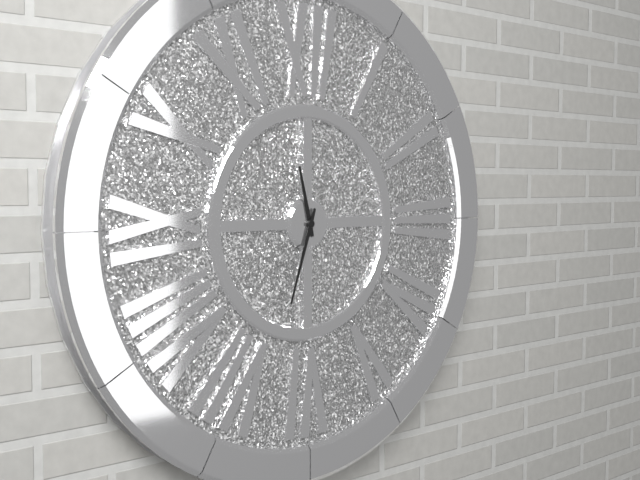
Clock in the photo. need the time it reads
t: 11:33
